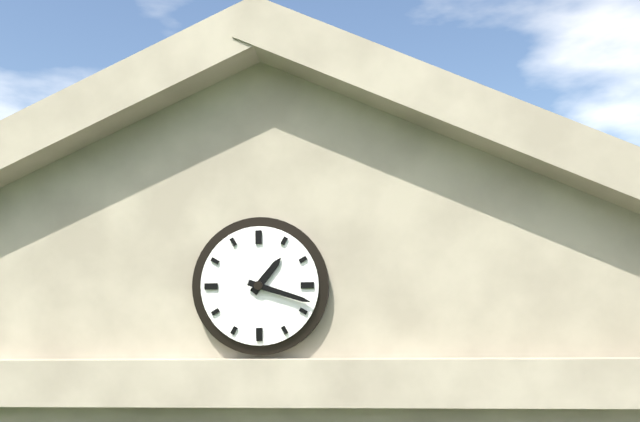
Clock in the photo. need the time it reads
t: 1:18
